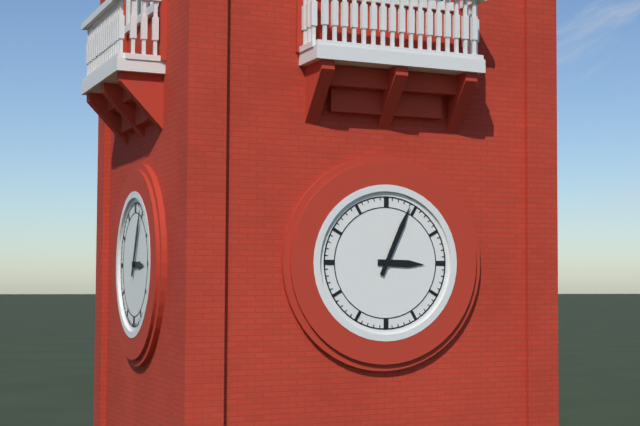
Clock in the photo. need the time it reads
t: 3:04
